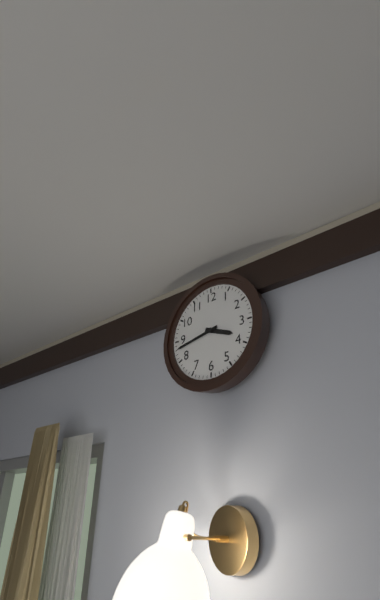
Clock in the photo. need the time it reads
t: 3:43
